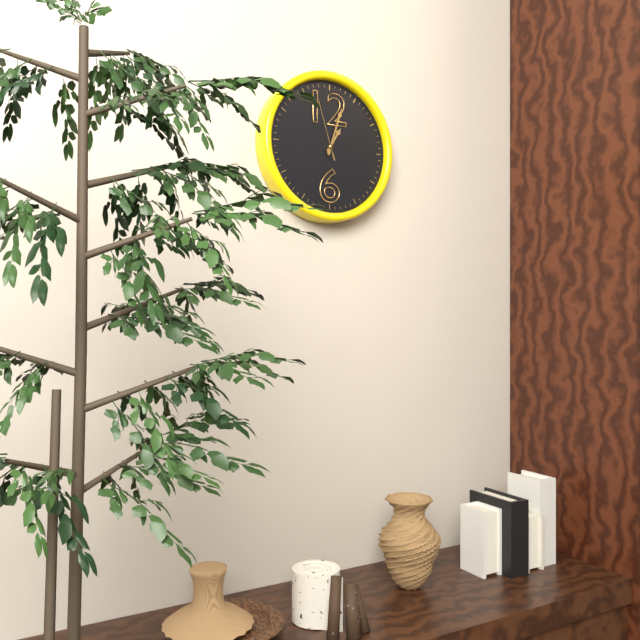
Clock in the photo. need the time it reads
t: 1:03:57
